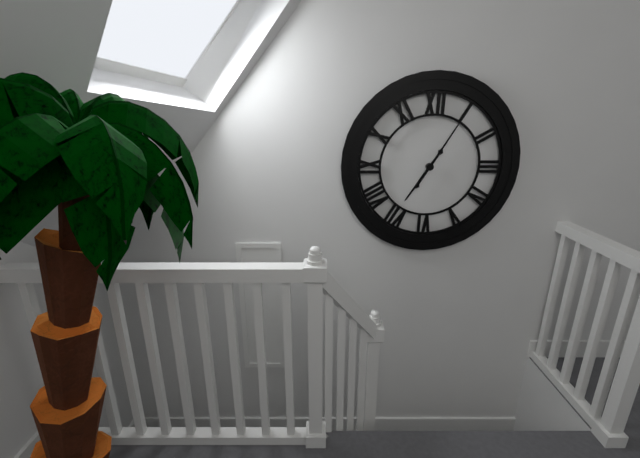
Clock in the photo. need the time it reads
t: 7:05
